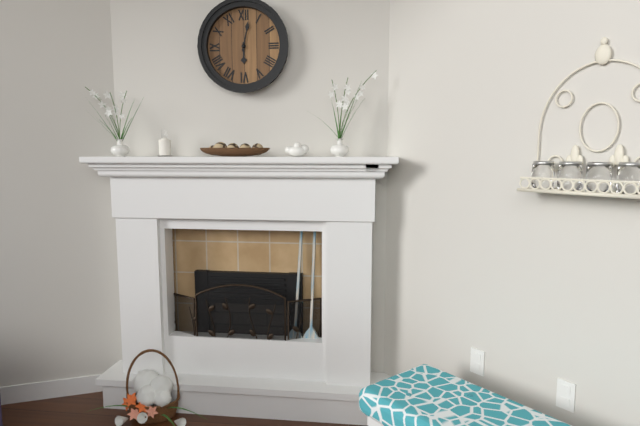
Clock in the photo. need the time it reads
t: 6:02
